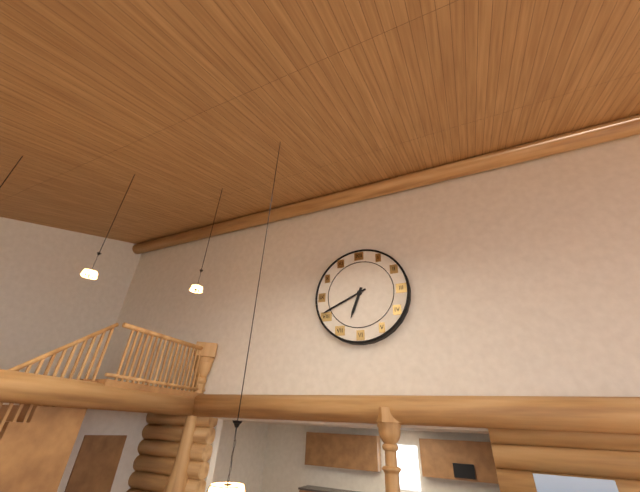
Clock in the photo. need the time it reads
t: 6:41
